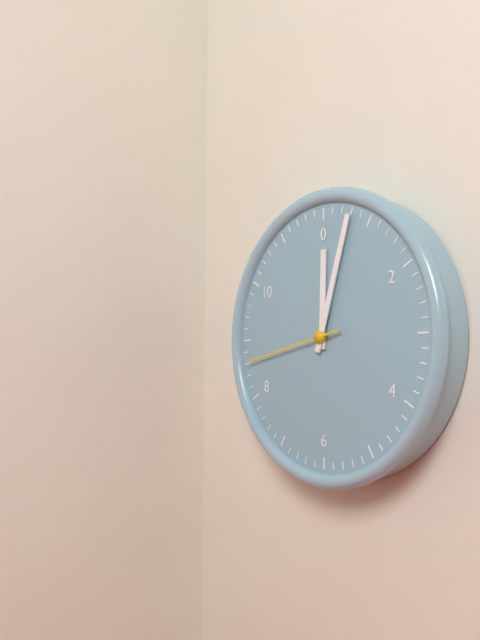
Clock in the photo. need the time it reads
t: 12:03:43
